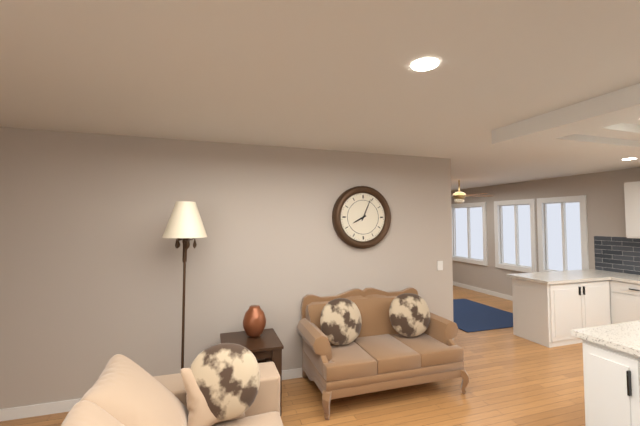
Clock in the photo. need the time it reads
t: 8:04
